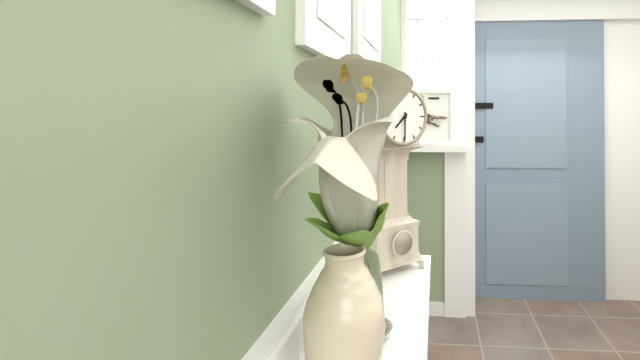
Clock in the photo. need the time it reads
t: 7:30
